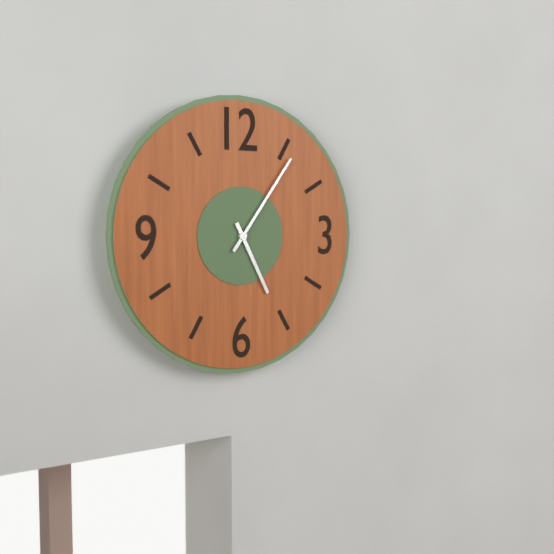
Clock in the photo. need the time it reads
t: 5:06
